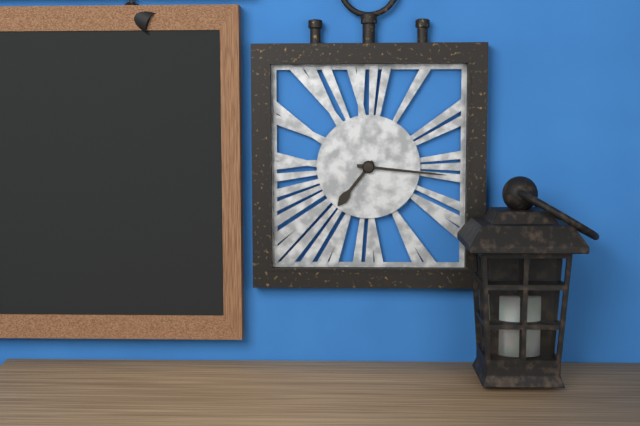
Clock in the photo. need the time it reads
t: 7:16
